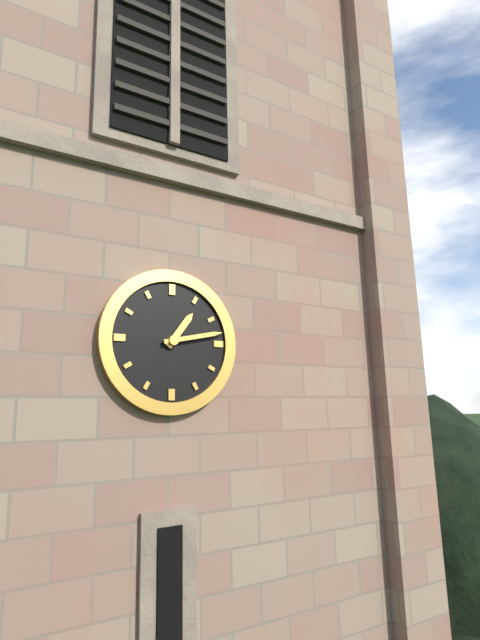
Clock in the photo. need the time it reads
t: 1:13
